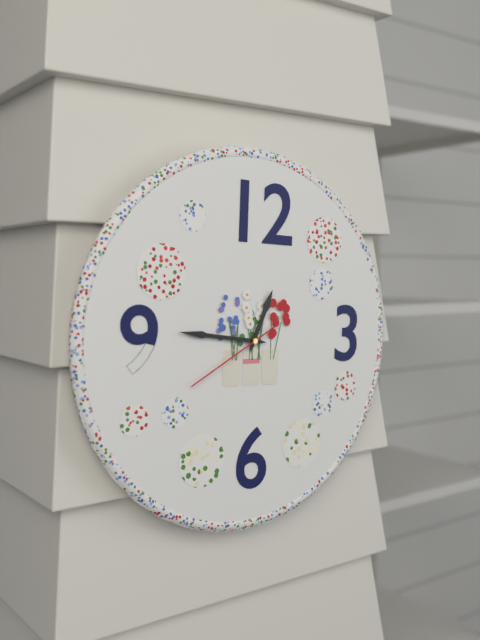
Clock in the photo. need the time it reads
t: 12:46:40
